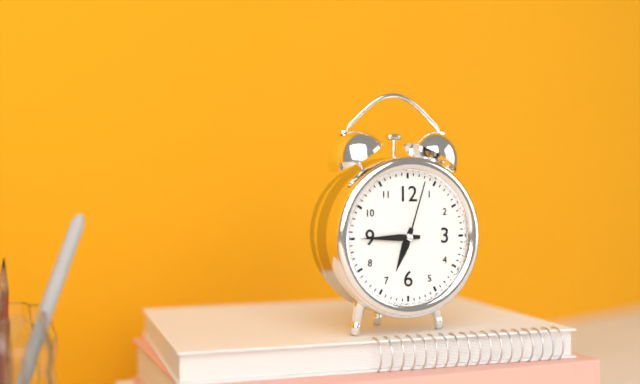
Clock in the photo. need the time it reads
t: 6:45:03
